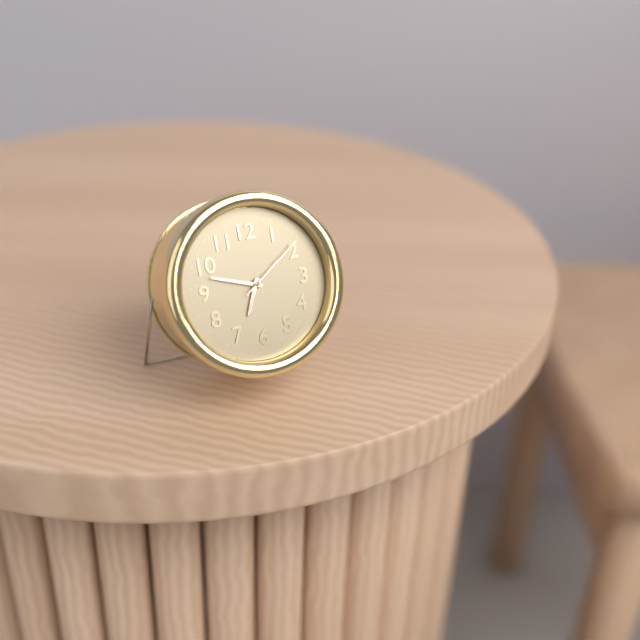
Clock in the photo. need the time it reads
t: 6:48:09
